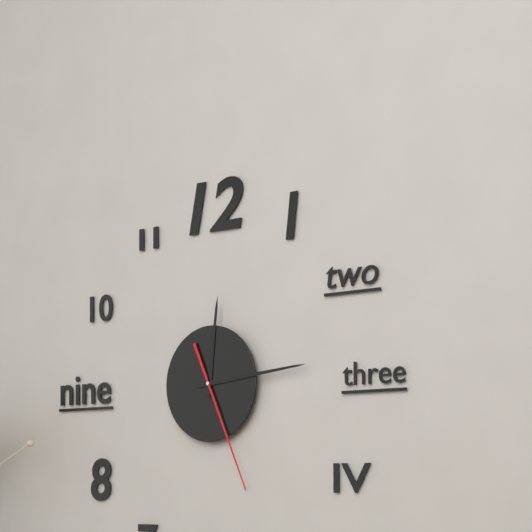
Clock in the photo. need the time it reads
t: 12:14:26
